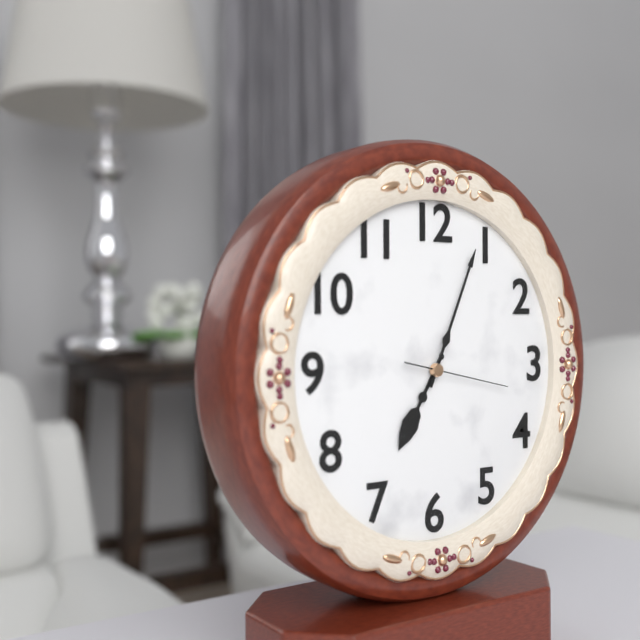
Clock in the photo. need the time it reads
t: 7:04:17
